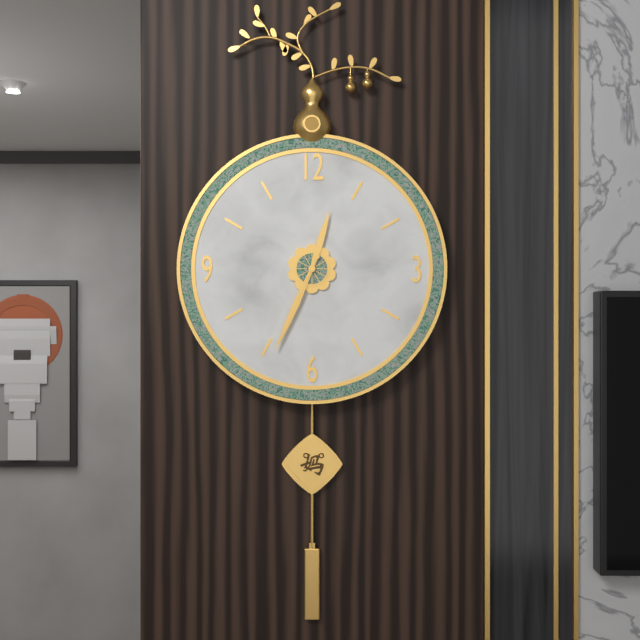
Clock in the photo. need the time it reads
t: 12:34:34
